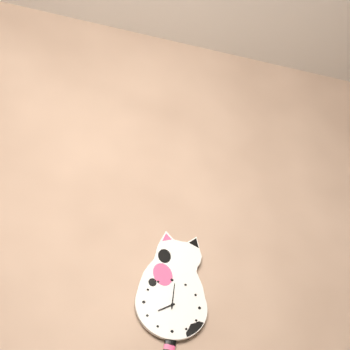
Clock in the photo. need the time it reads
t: 8:01
